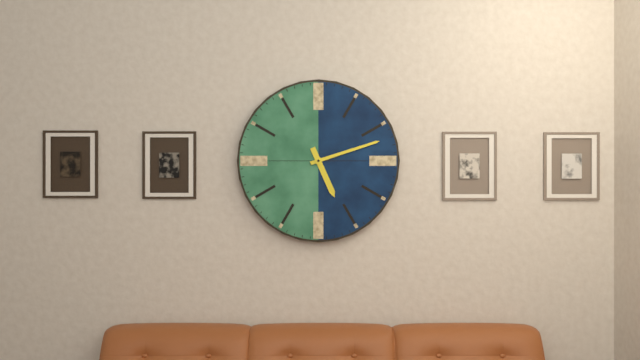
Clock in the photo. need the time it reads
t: 5:12
